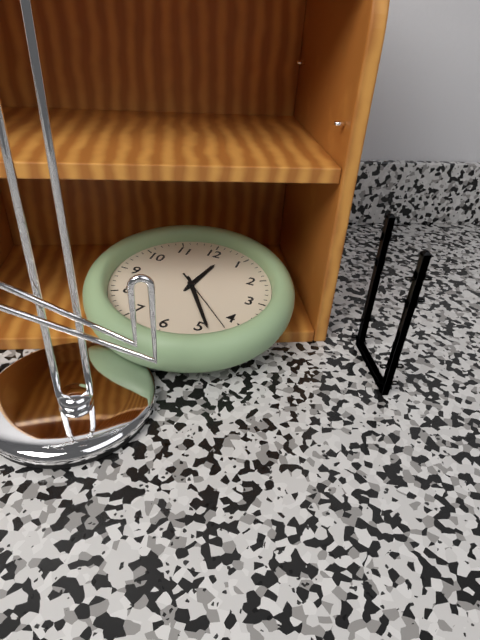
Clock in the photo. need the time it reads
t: 12:24:22
